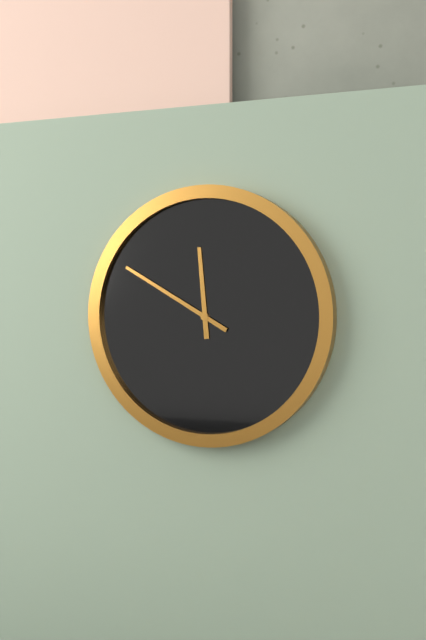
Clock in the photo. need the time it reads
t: 11:50
